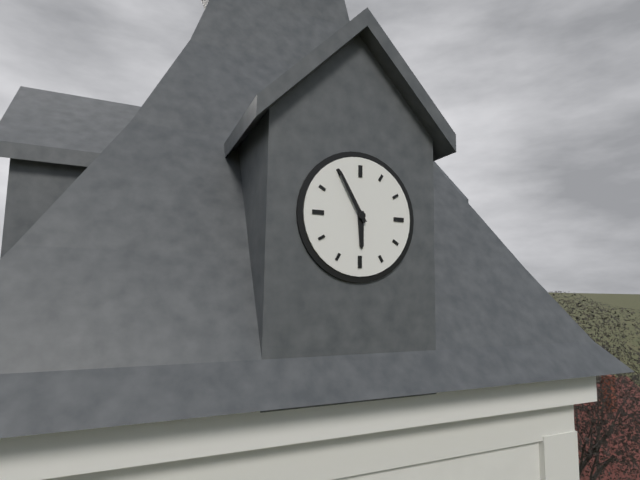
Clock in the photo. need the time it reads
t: 5:55
